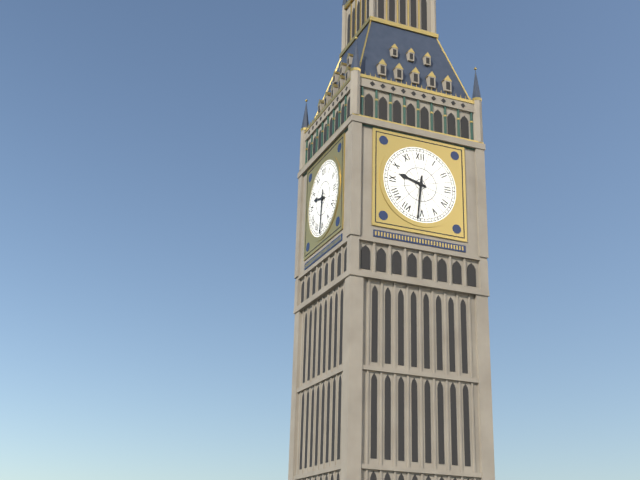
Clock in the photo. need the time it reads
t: 9:31
